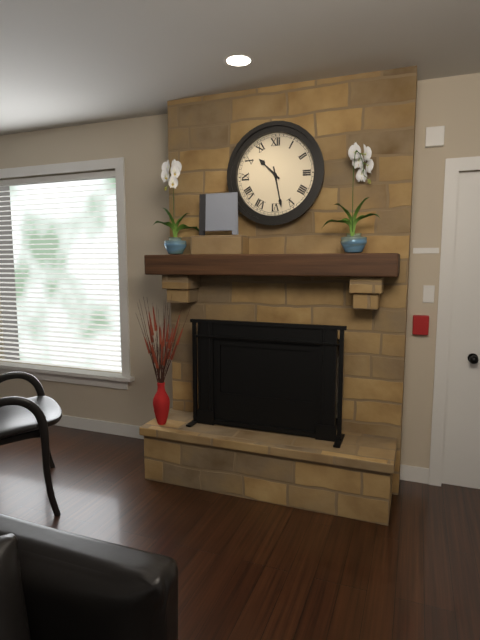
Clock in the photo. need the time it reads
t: 10:28
